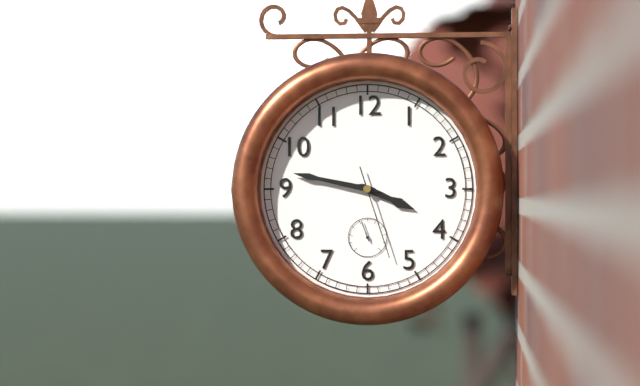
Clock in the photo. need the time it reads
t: 3:47:27
